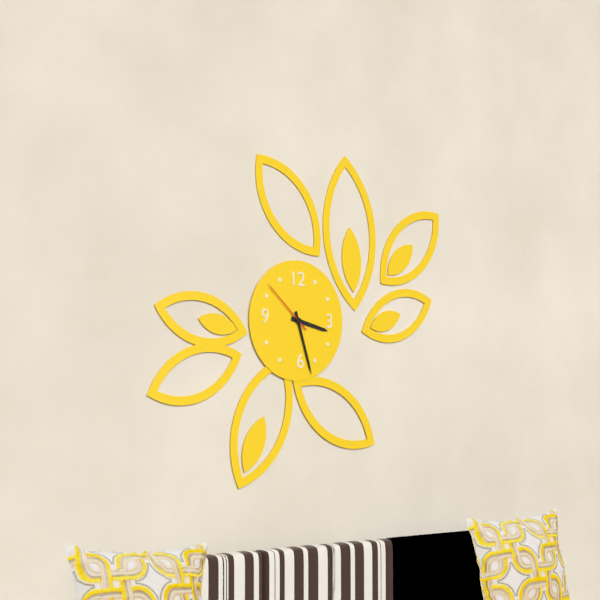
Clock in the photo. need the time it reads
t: 3:27:52
